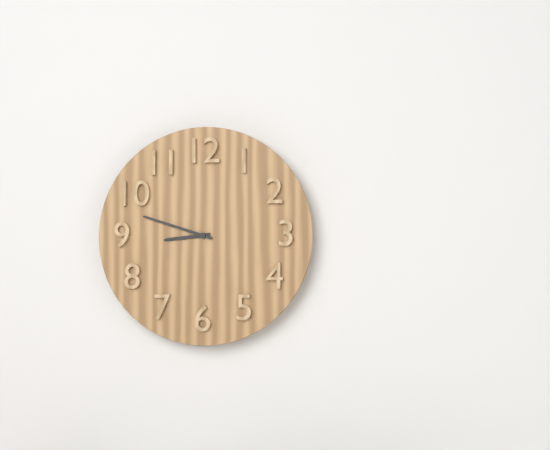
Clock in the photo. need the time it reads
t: 8:48
